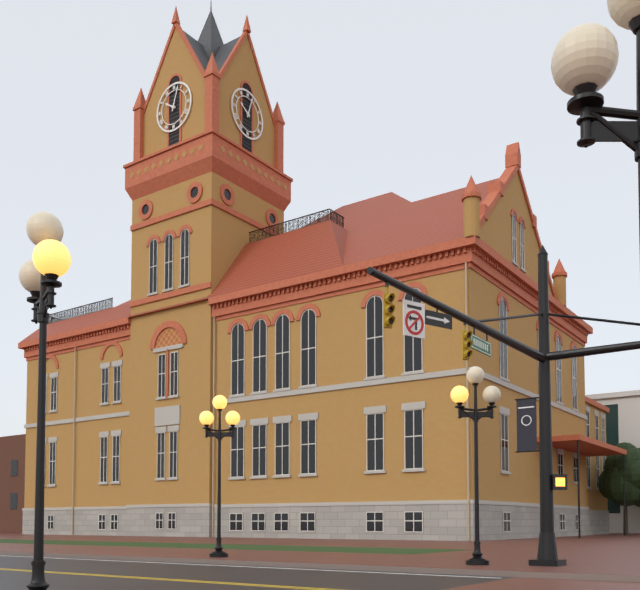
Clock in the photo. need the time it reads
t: 10:03
